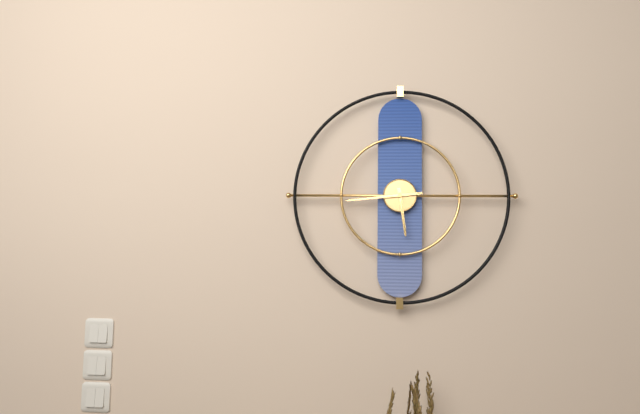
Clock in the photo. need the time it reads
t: 5:44
